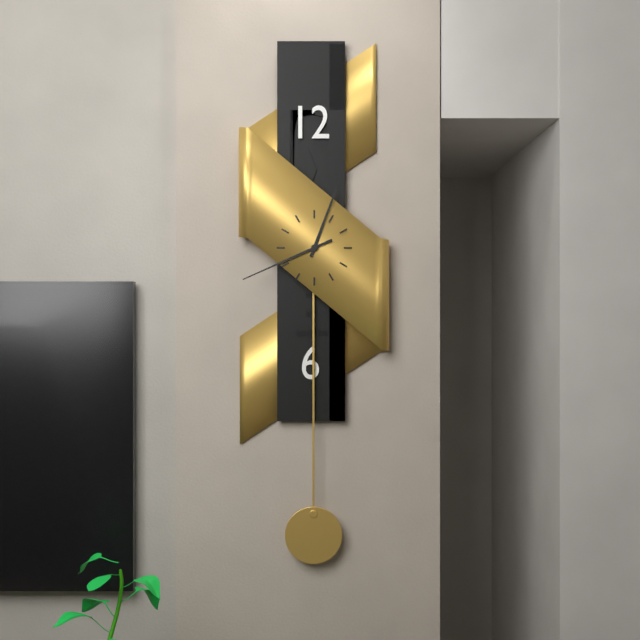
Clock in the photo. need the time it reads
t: 12:41
